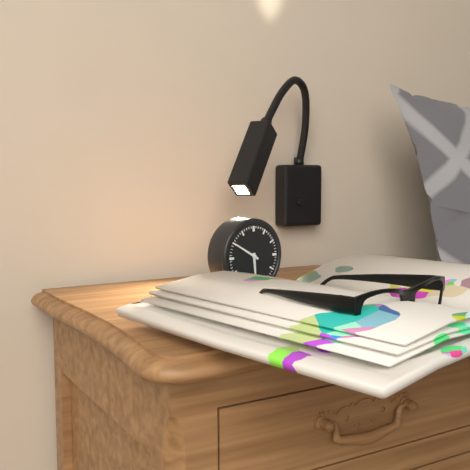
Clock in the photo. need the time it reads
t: 5:50
